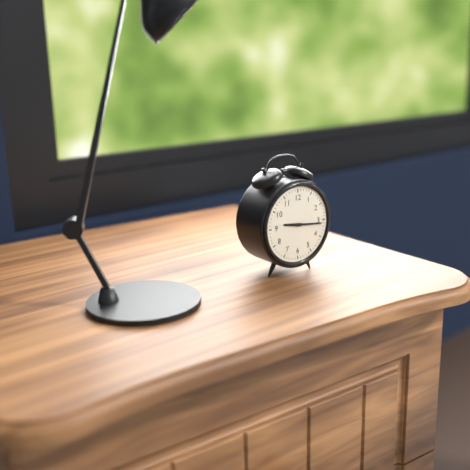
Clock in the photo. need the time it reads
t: 9:16
